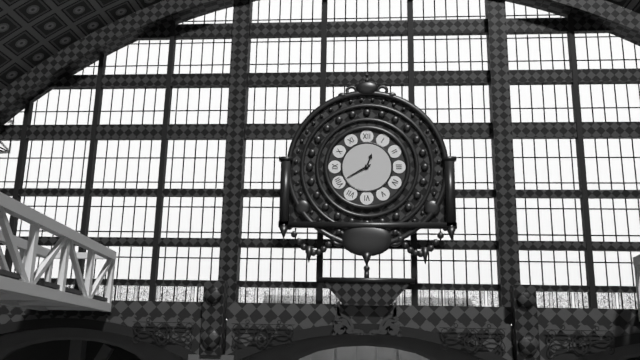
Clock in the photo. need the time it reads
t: 12:40
